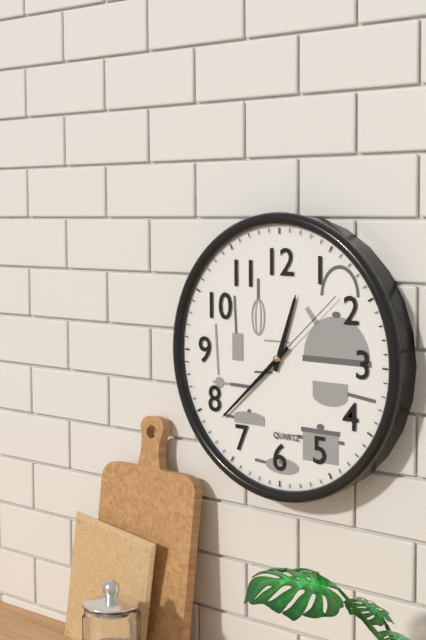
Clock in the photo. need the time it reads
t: 12:38:08
